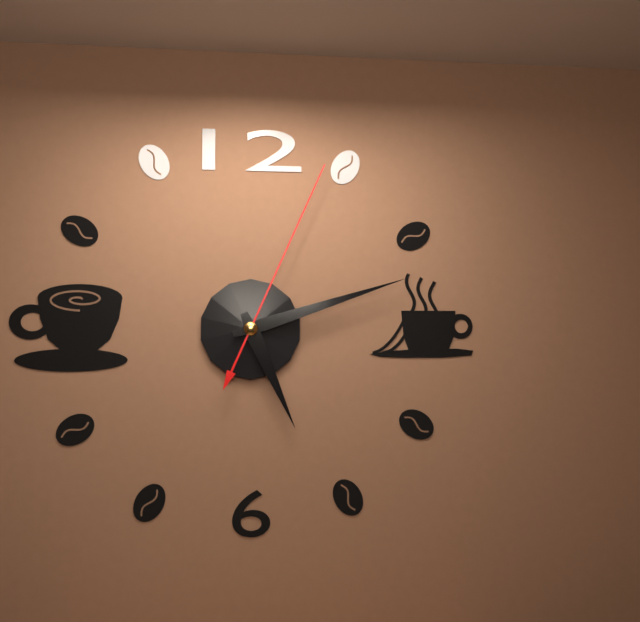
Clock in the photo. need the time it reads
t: 5:12:04
